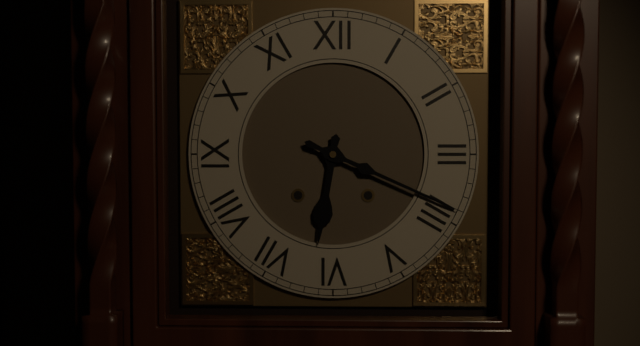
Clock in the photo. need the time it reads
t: 6:19
